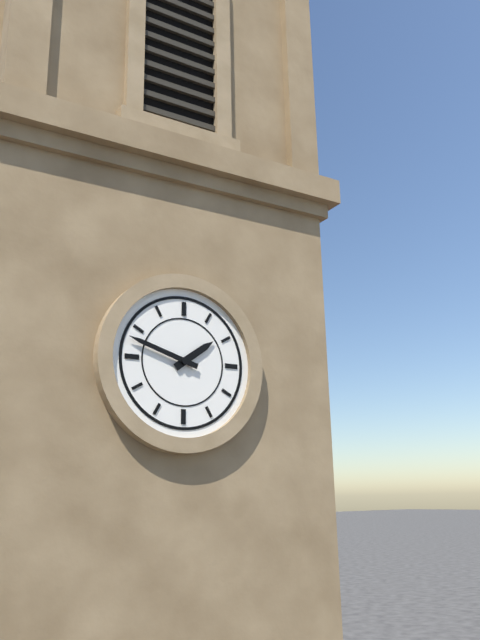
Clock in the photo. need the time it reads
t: 1:48
